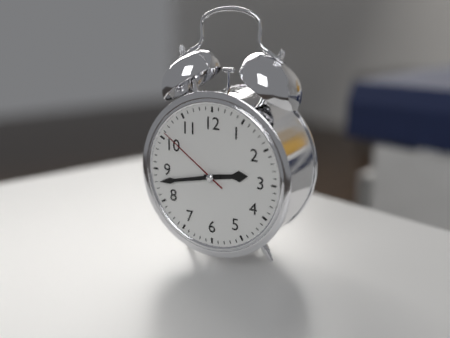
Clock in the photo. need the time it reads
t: 2:43:51
